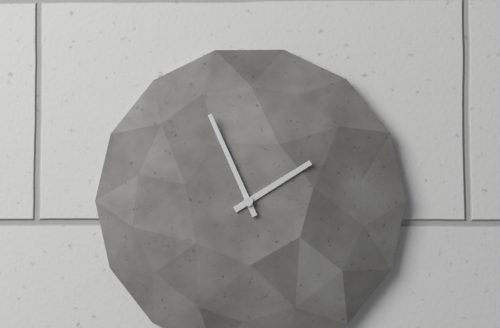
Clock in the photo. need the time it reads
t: 1:56
